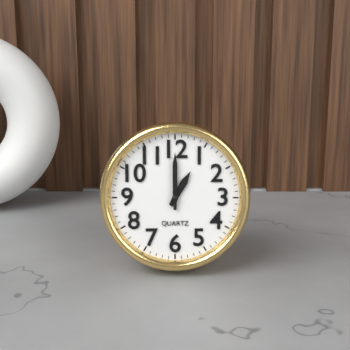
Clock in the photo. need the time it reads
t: 1:00
